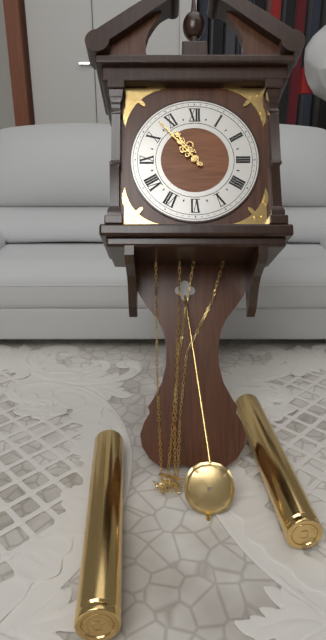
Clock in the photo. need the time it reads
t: 10:53
